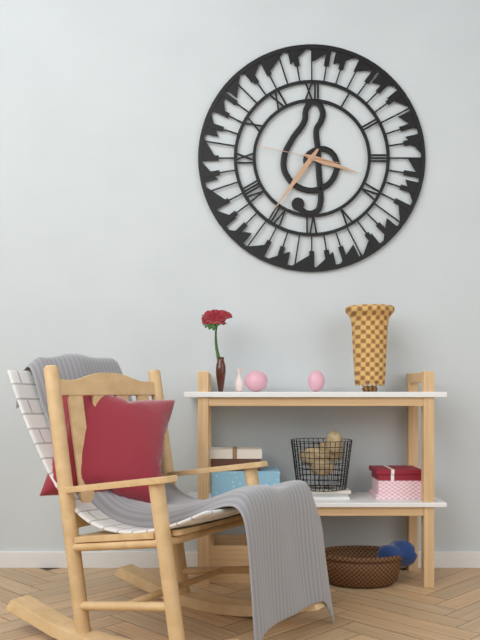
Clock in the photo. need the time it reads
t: 3:36:47
